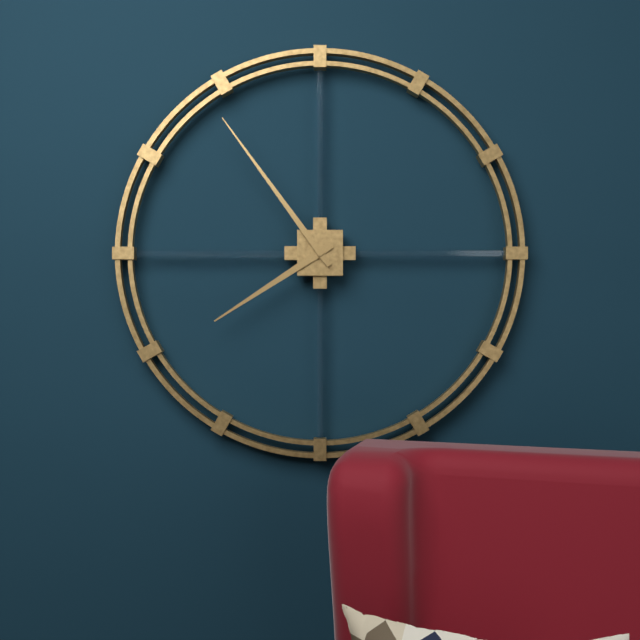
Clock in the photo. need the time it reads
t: 7:54
